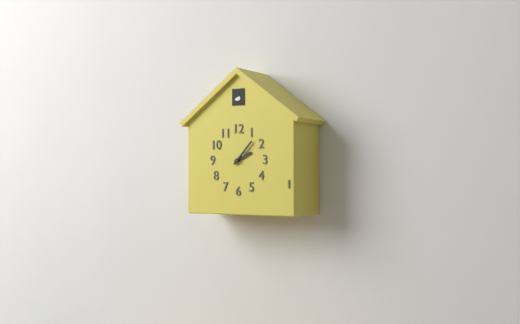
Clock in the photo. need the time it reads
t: 2:07
